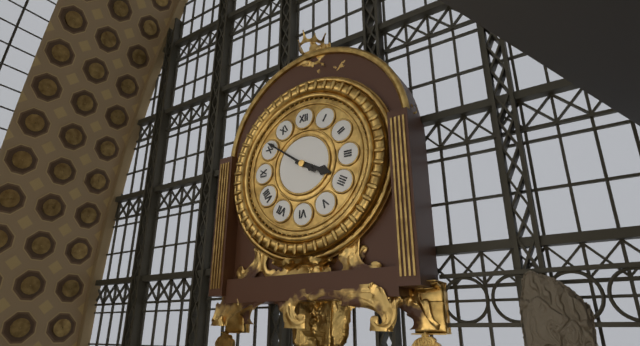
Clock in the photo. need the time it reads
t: 3:51
